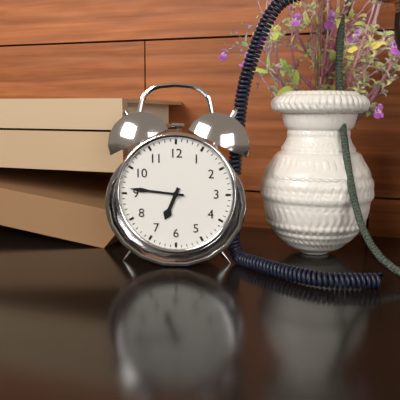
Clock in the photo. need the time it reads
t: 6:46
